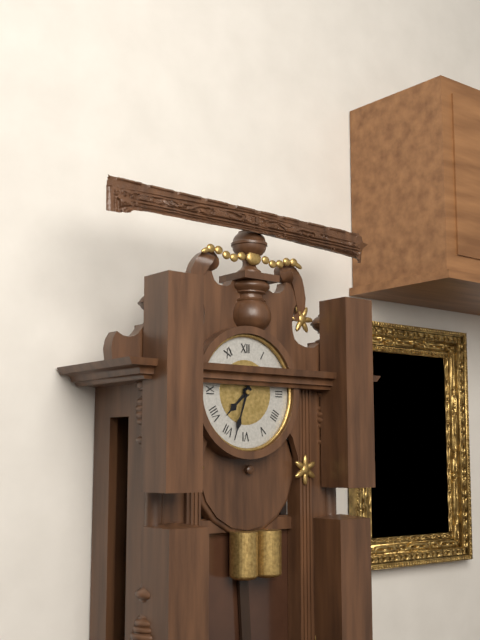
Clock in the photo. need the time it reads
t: 7:33
